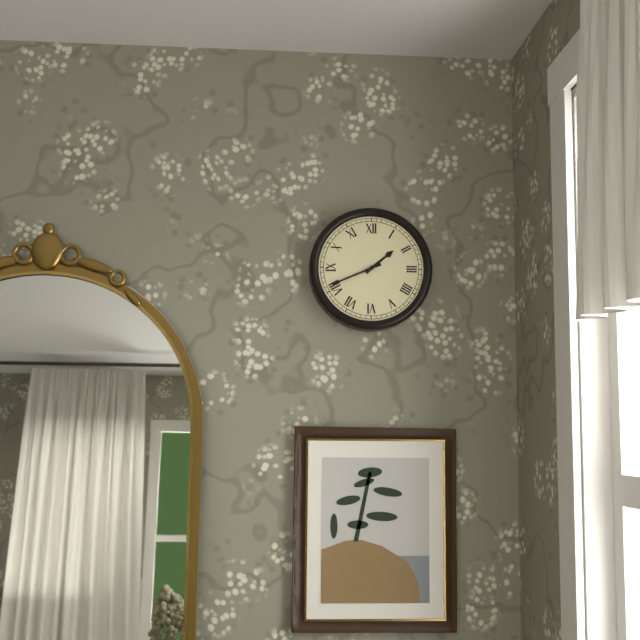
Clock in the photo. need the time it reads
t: 1:41
